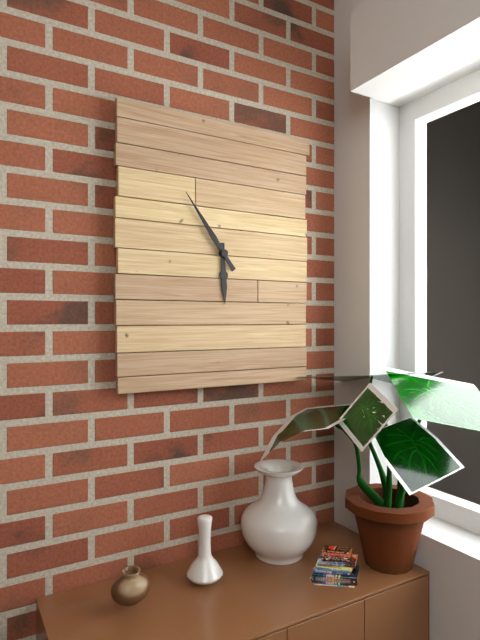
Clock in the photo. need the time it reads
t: 5:54
